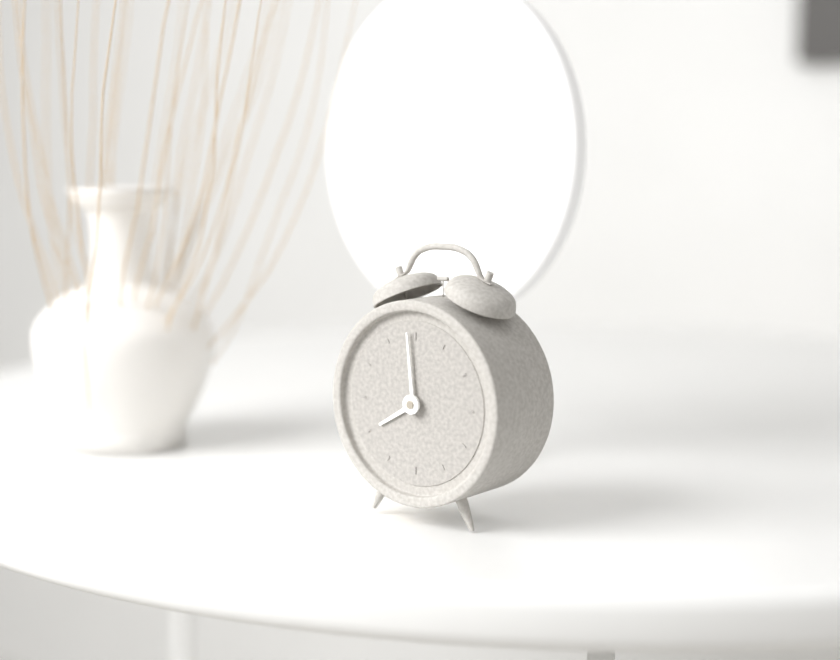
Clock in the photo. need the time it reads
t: 7:59
